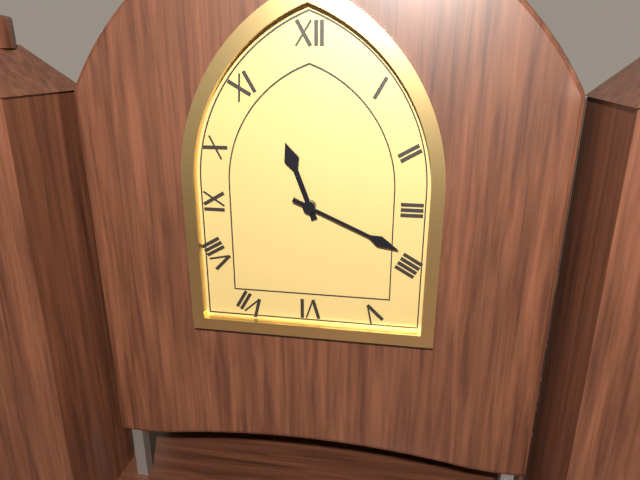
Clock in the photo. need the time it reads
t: 11:19
